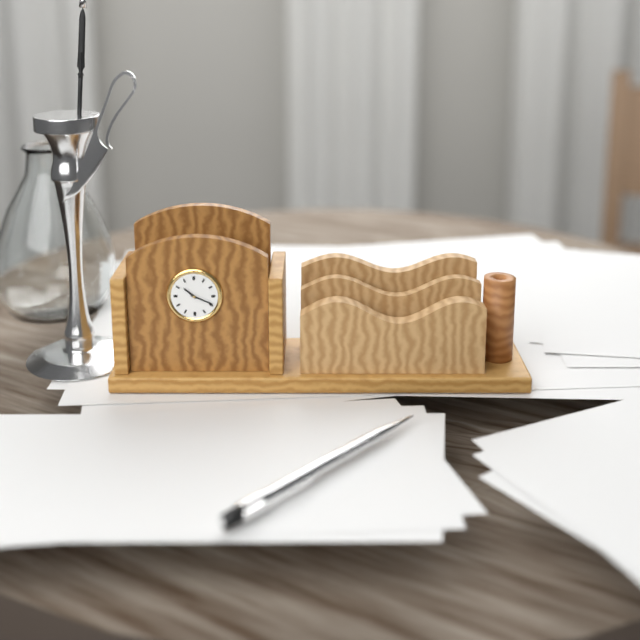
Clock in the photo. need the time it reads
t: 10:19
